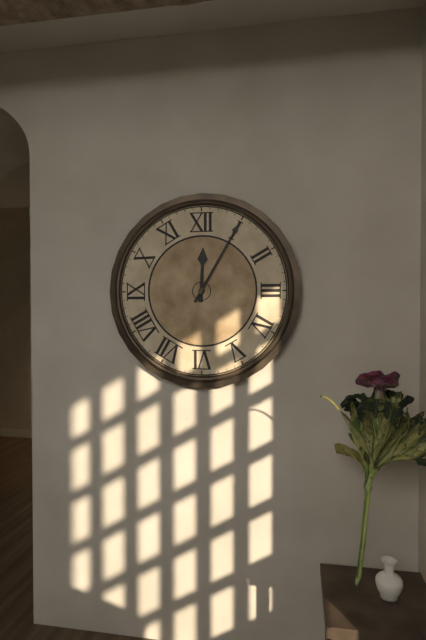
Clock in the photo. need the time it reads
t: 12:05
